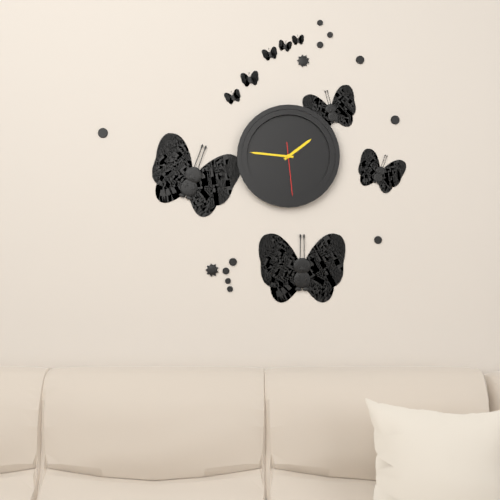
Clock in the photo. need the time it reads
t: 1:46:29
